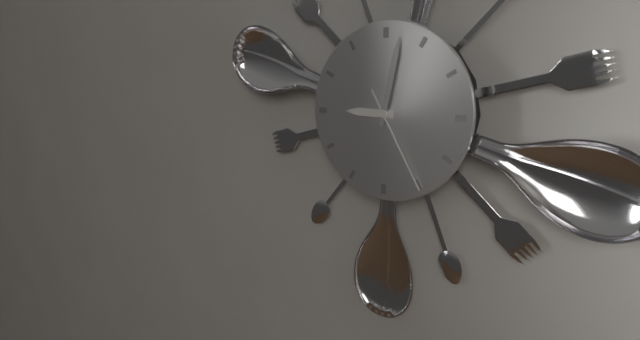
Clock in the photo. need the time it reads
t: 9:02:25
